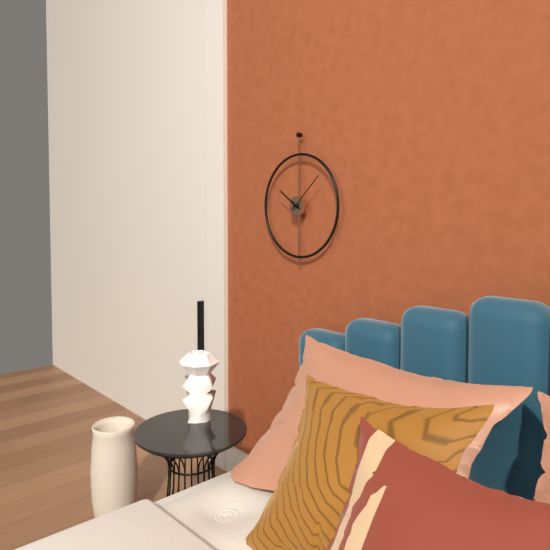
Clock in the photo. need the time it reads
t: 10:08
